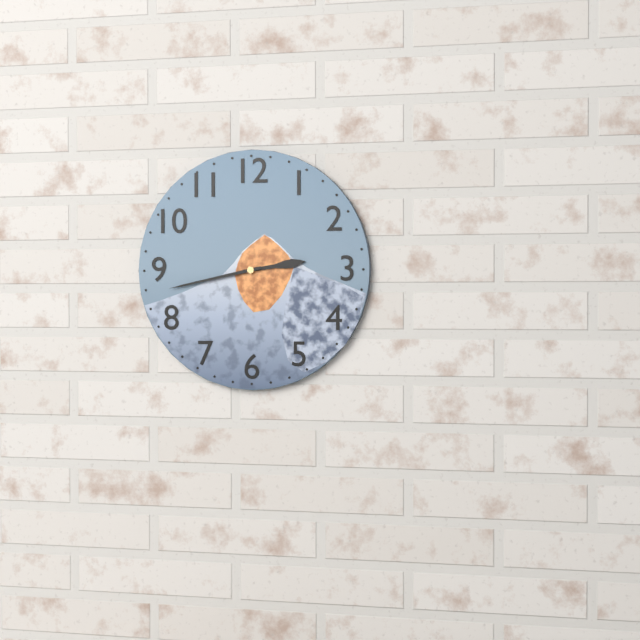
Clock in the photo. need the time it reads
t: 2:43
